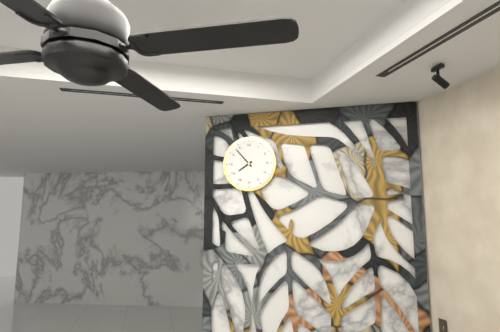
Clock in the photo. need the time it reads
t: 7:53
